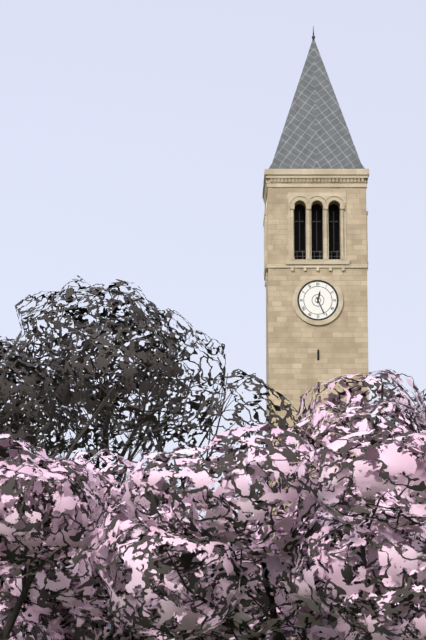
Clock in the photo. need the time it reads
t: 12:26
